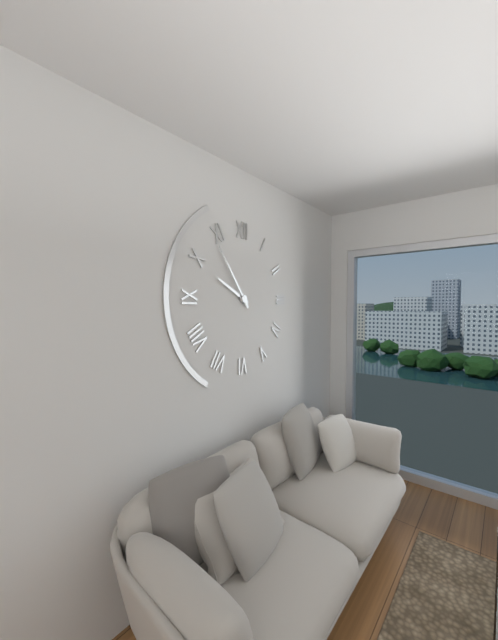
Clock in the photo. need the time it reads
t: 9:54
